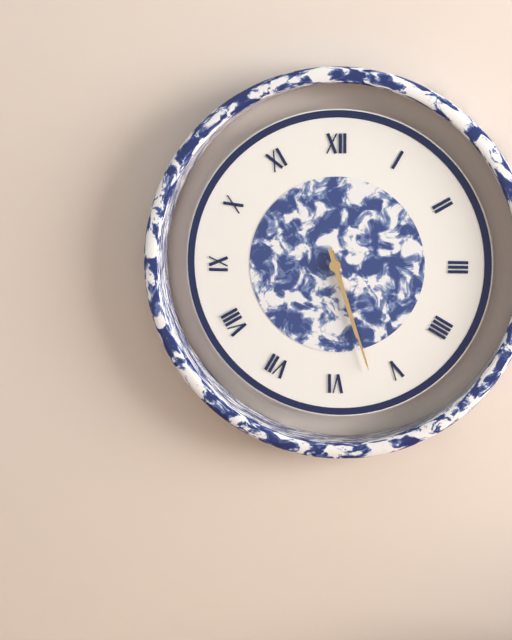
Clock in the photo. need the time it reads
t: 5:27
